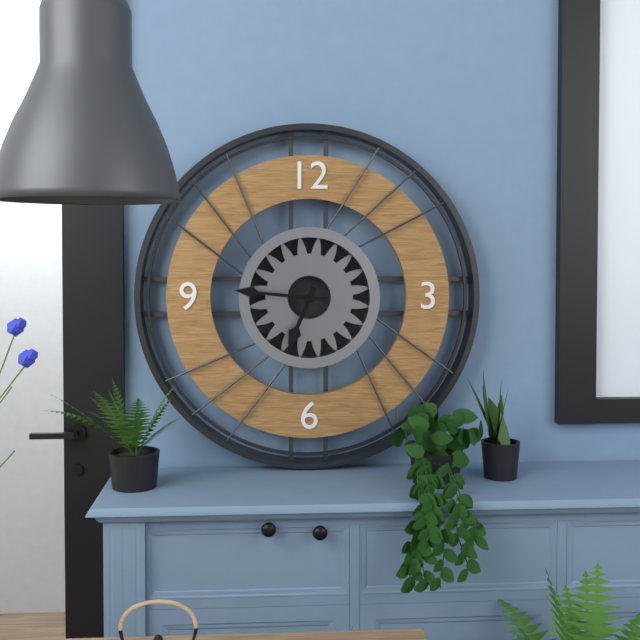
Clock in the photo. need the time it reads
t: 6:46
